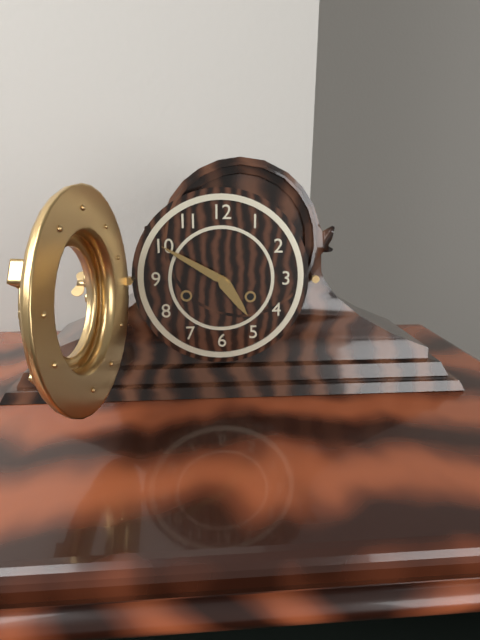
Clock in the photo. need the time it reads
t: 4:50
